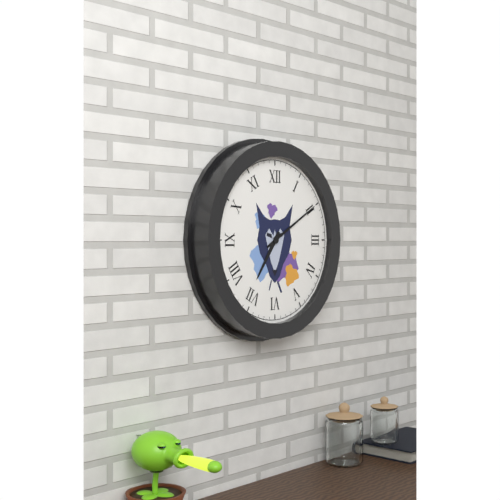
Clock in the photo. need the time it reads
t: 7:10
